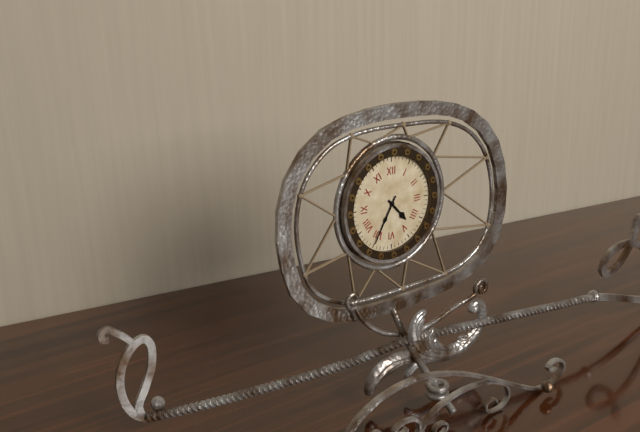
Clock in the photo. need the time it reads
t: 4:35
